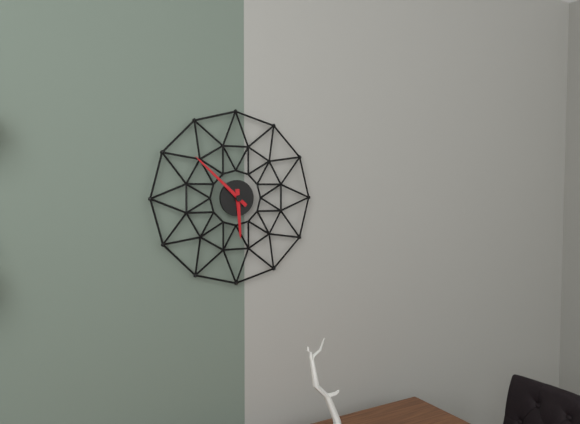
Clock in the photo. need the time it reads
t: 5:52
